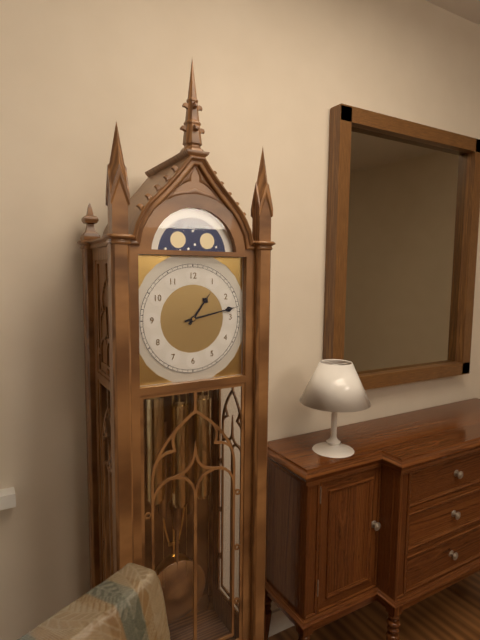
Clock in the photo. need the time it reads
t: 1:13
